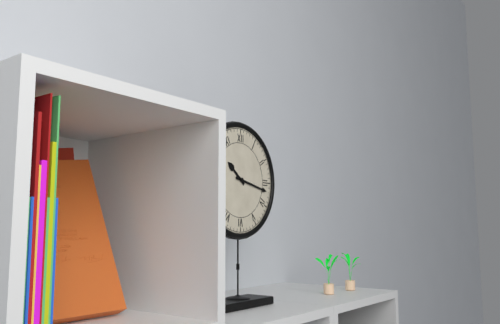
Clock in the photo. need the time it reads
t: 10:17
